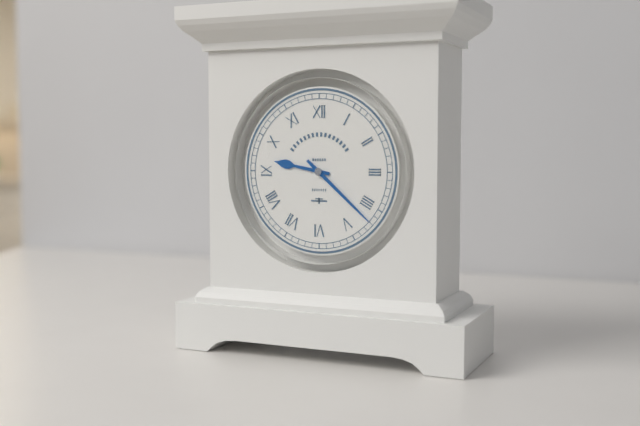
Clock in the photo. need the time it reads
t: 9:22
